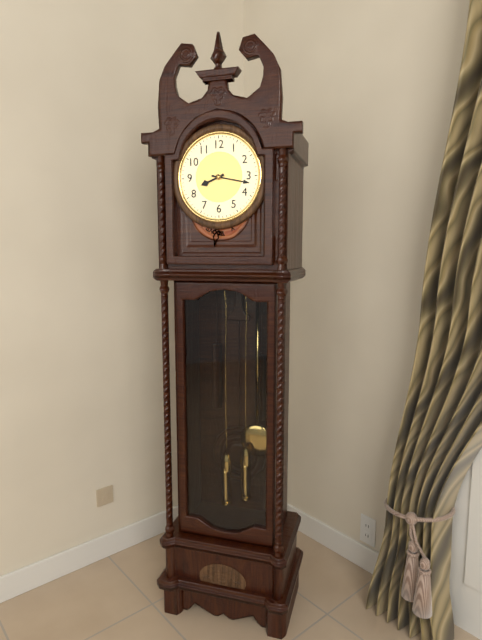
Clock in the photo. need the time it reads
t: 8:17
